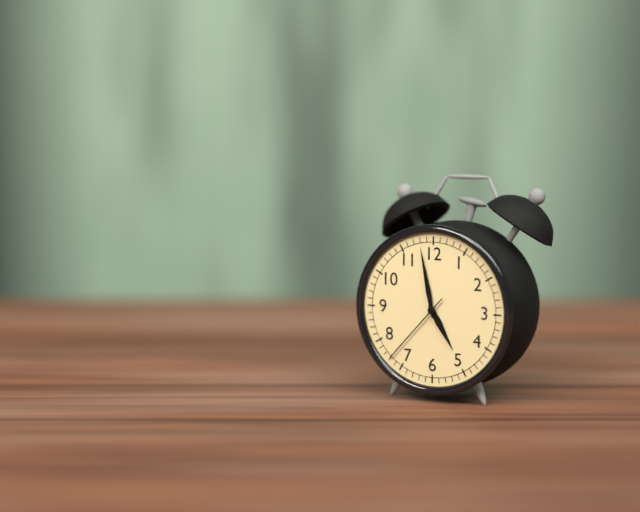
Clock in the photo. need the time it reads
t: 4:58:37
